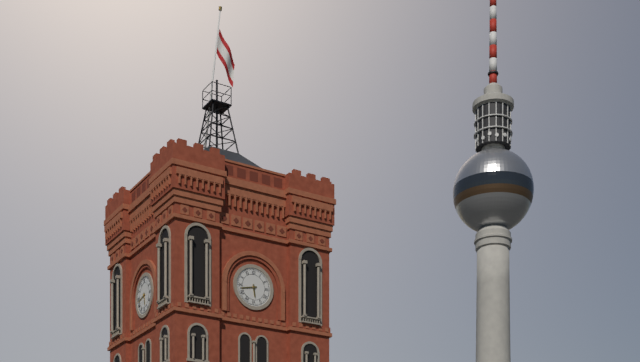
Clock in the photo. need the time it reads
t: 5:43
